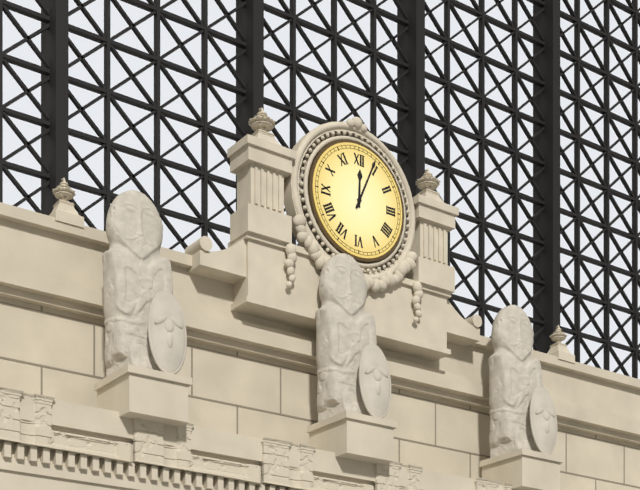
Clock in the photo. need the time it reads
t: 12:04
